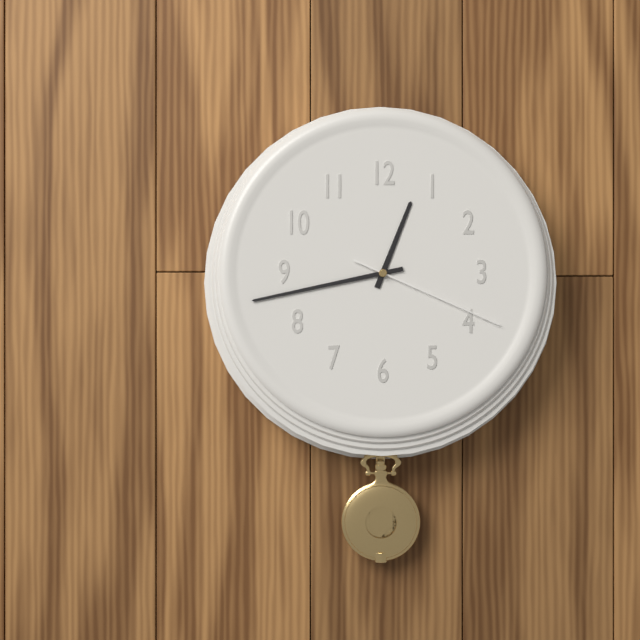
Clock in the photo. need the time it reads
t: 12:43:19
